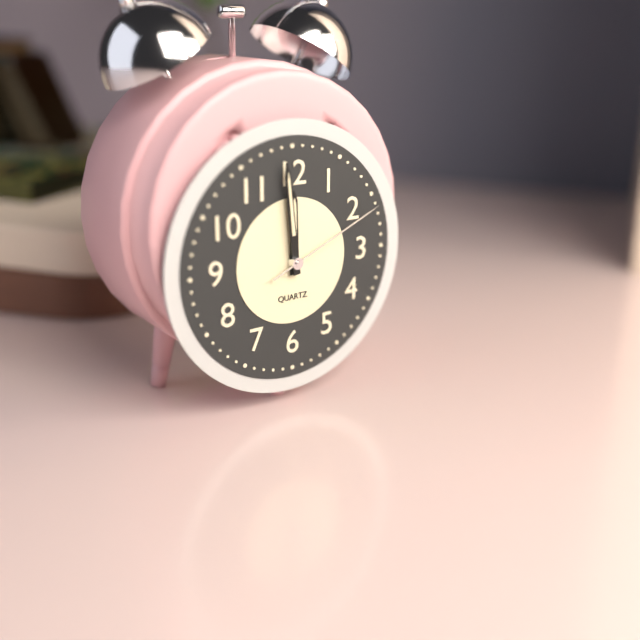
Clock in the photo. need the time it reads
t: 11:59:11
